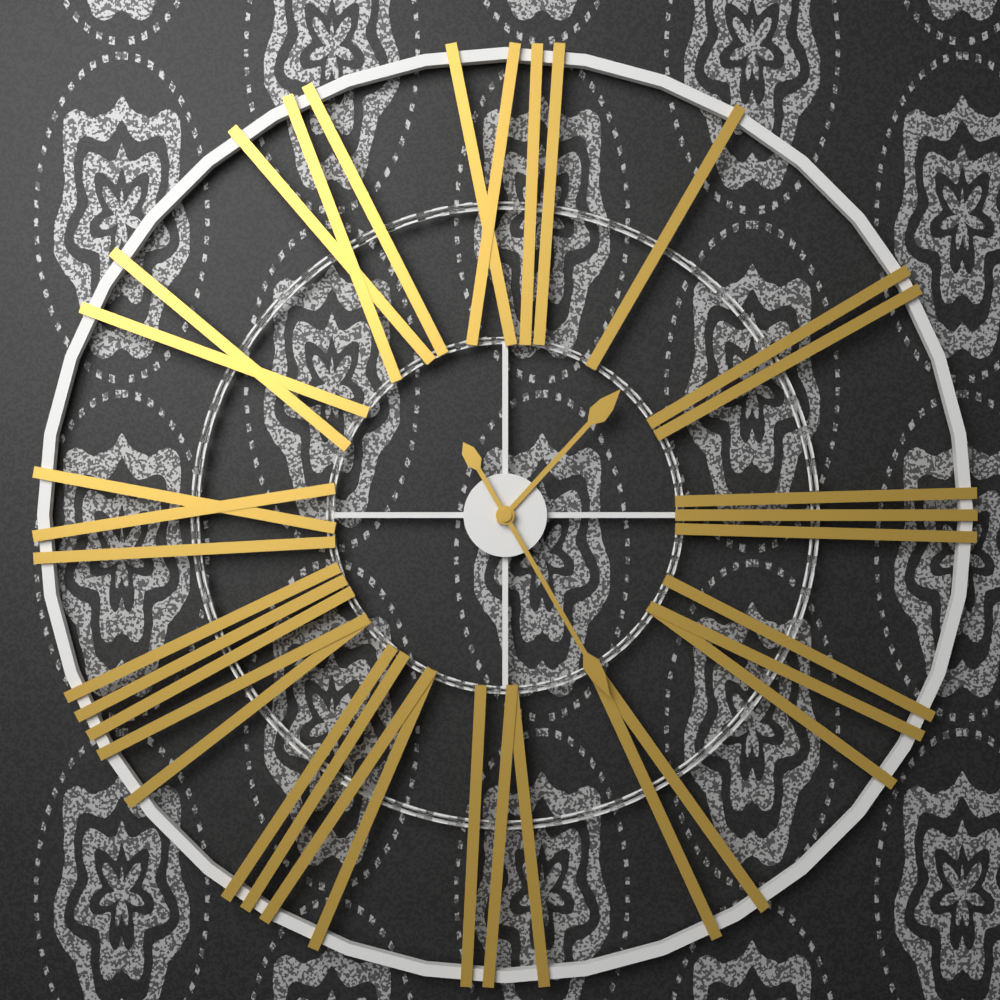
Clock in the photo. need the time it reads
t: 1:25
